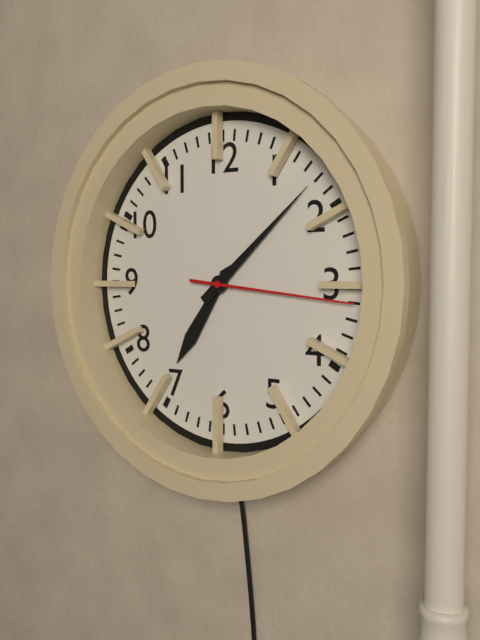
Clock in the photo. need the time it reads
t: 7:08:16
